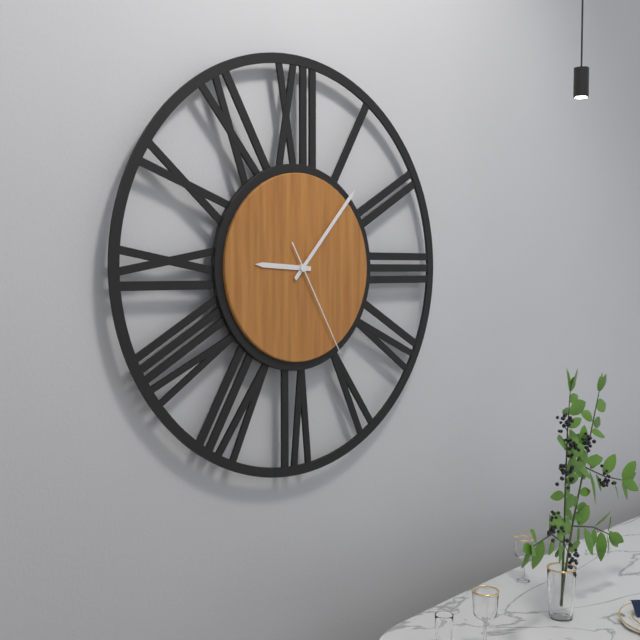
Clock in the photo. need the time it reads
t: 9:07:25
